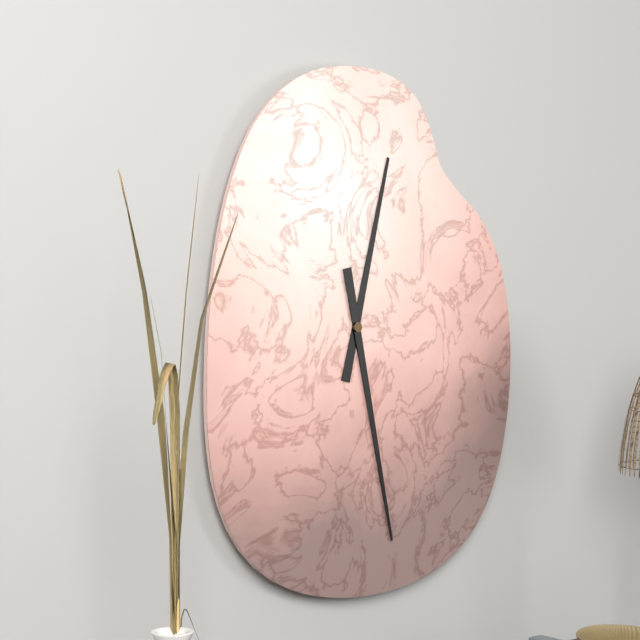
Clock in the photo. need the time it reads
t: 12:28
